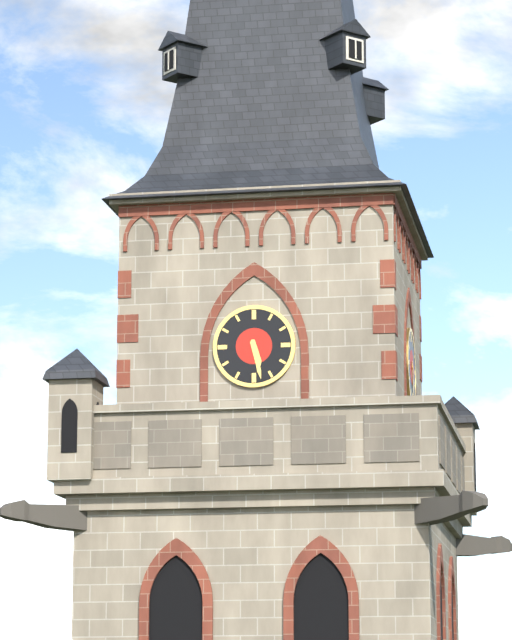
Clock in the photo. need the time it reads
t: 5:28
